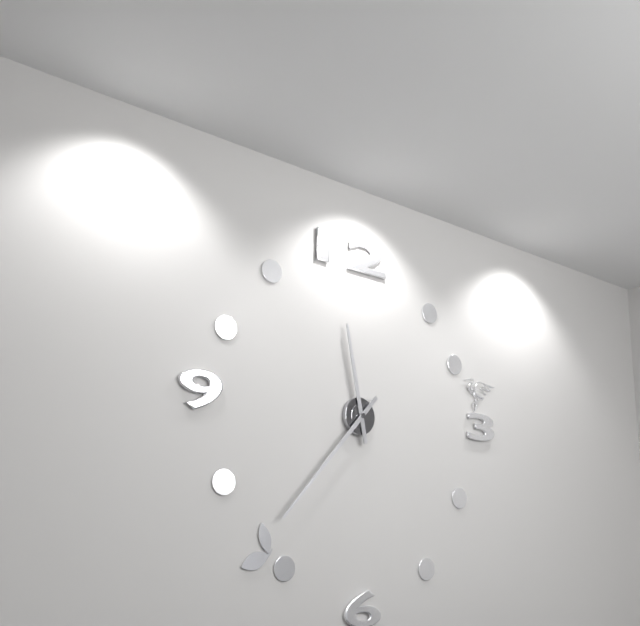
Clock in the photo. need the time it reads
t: 11:37
